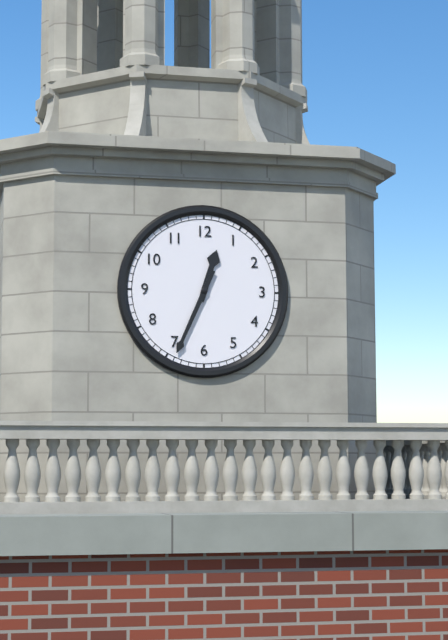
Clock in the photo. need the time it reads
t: 12:34
